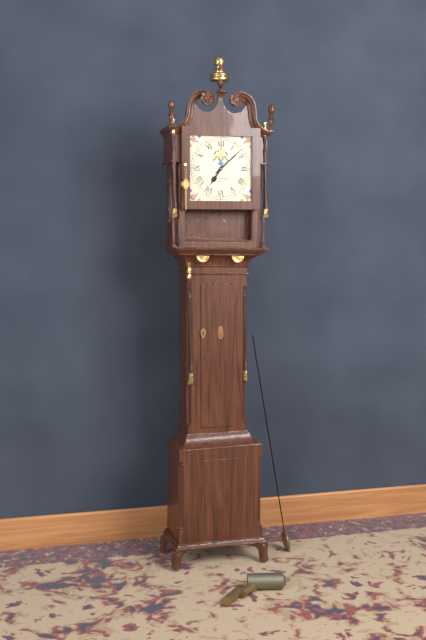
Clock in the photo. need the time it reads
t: 7:08
